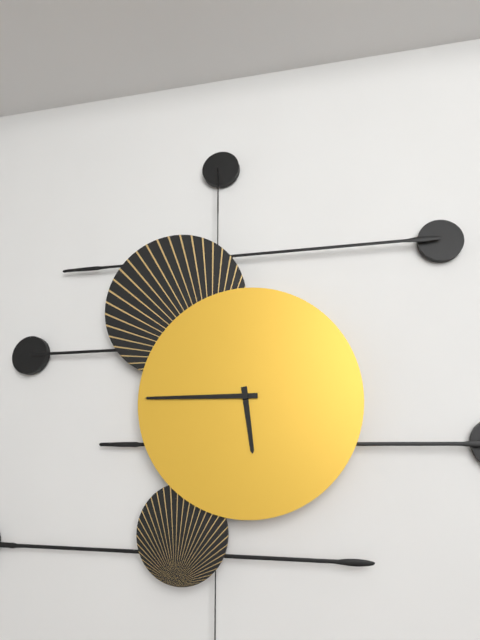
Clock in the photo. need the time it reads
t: 5:45
